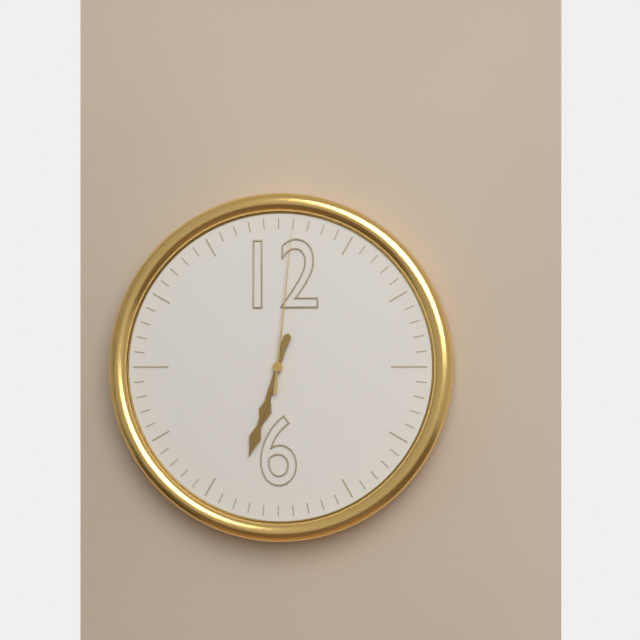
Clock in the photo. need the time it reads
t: 6:33:01
